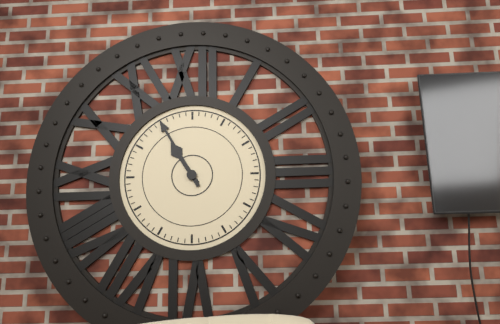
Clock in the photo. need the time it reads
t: 10:55
